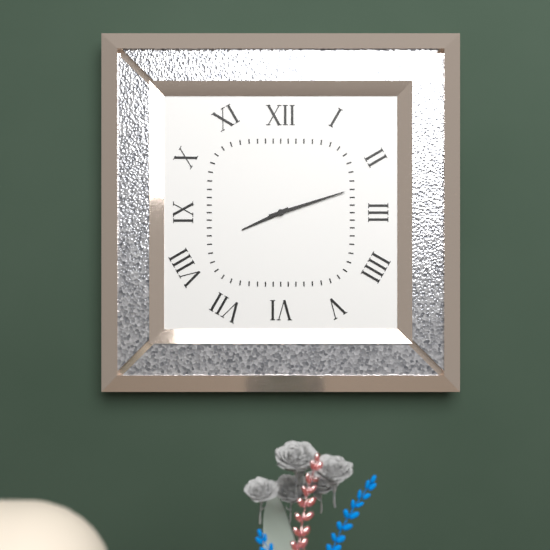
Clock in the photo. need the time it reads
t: 8:12
